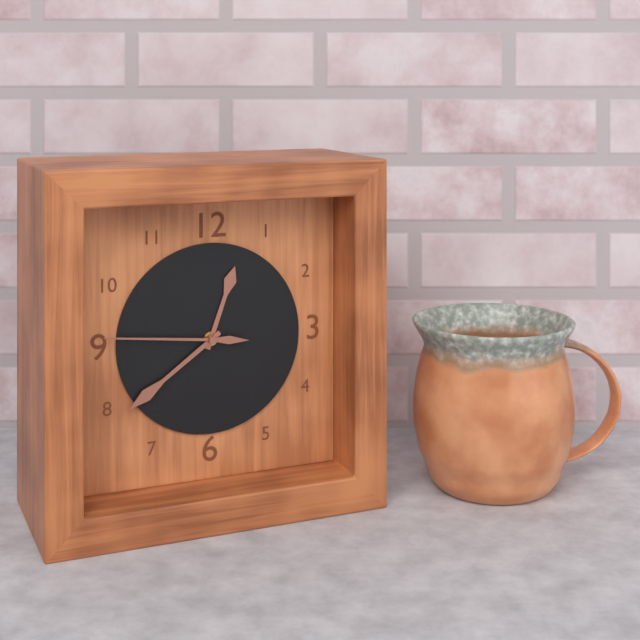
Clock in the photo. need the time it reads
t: 12:39:46
